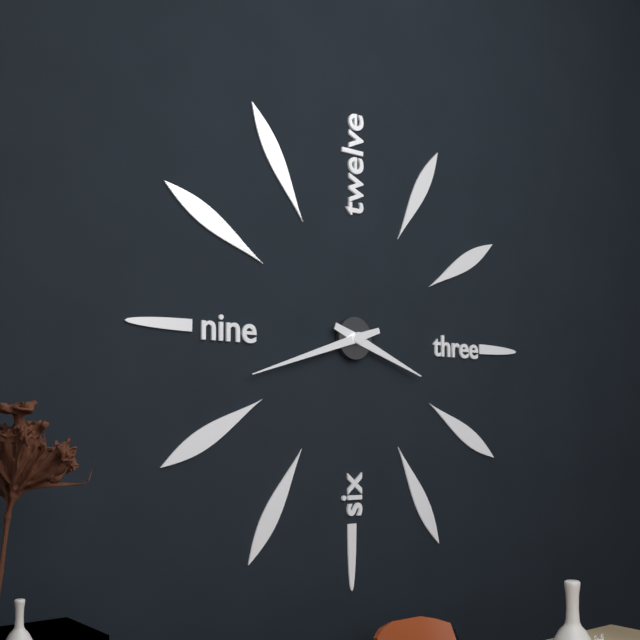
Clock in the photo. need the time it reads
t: 3:42
